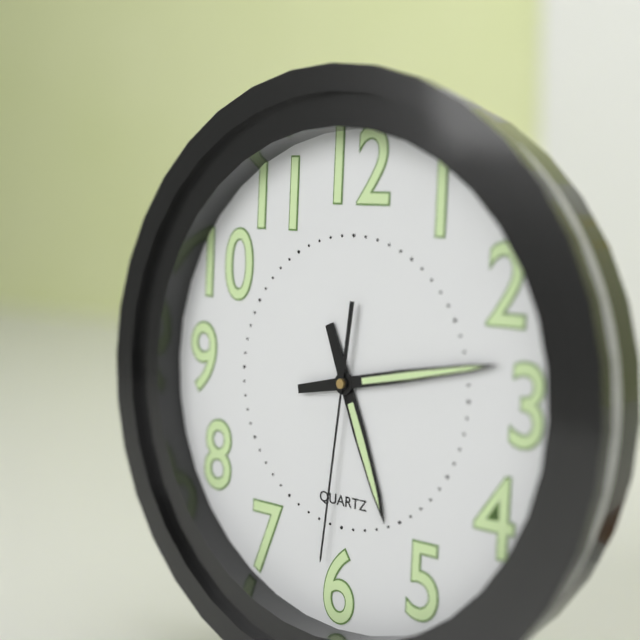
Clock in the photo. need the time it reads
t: 5:13:31
